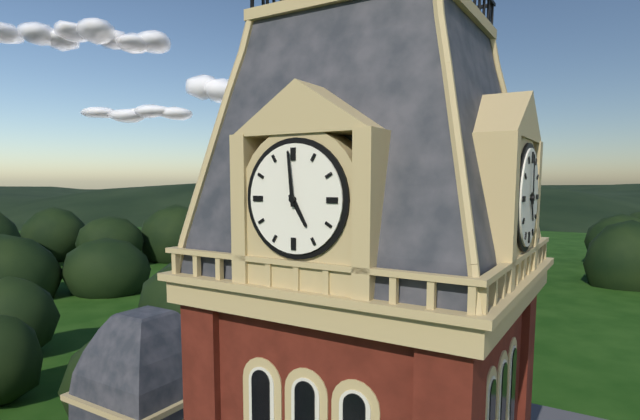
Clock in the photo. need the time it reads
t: 4:59
